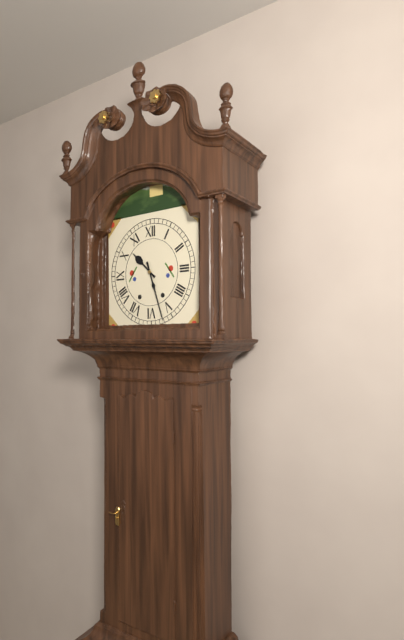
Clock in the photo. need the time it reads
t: 10:27
